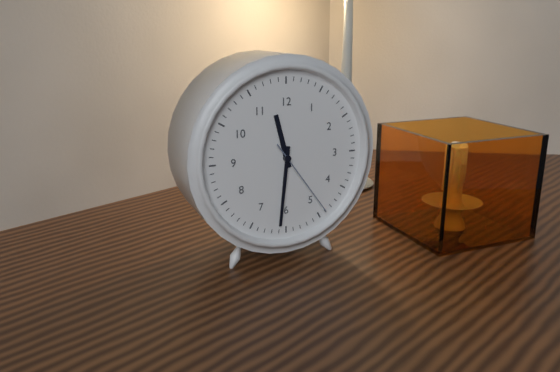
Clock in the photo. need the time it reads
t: 11:31:24
